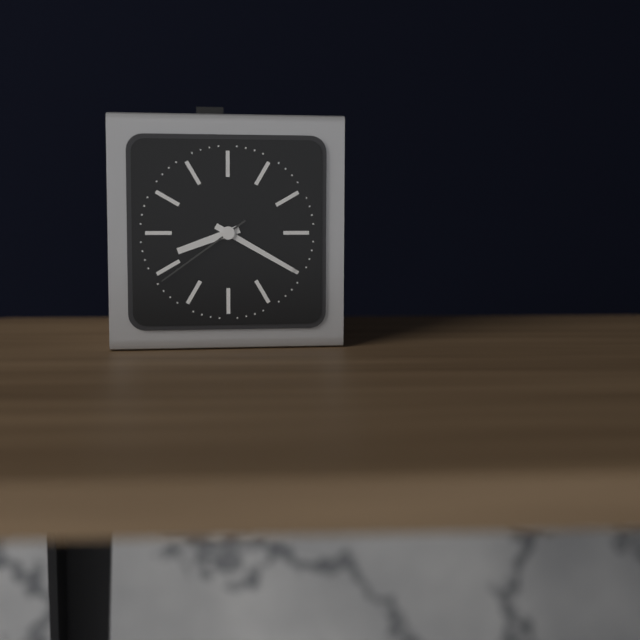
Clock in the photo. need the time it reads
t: 8:20:39
